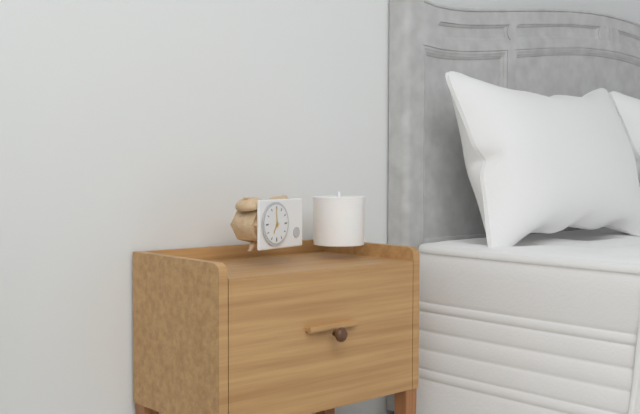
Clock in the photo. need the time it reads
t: 6:59
